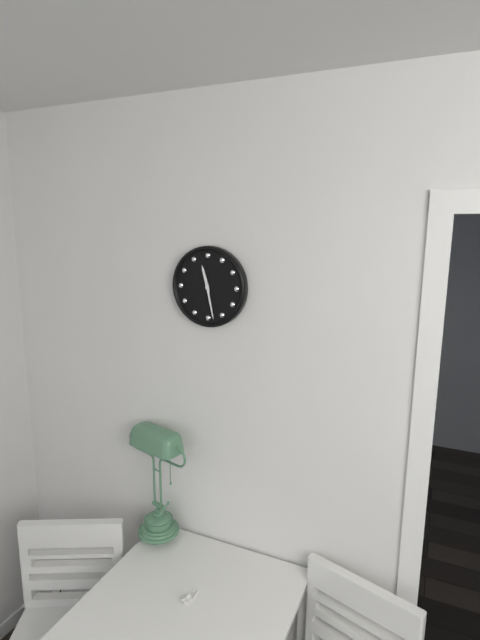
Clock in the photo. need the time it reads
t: 11:28
